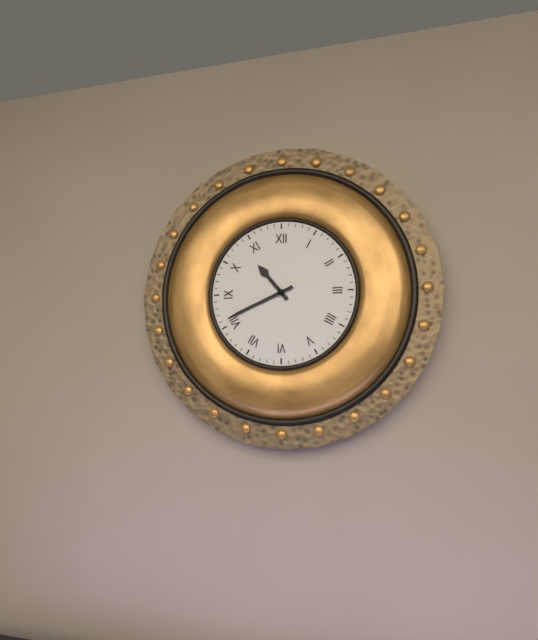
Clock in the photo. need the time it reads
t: 10:41
